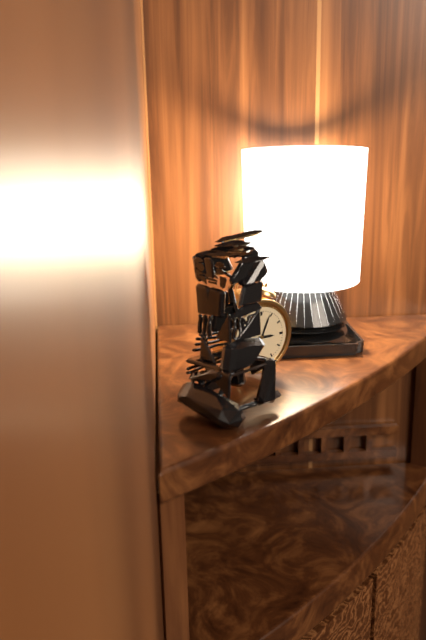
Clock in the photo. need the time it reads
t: 3:04
